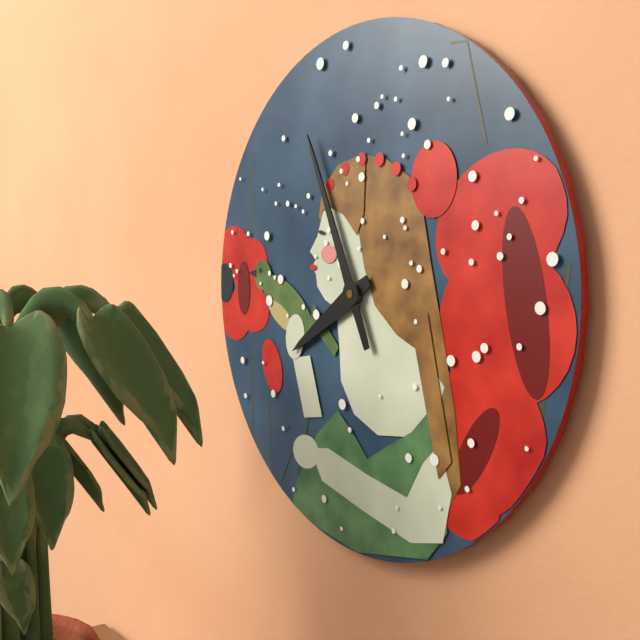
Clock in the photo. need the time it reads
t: 7:56
